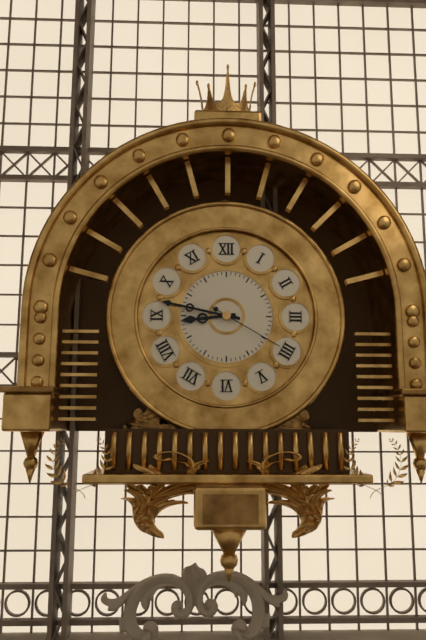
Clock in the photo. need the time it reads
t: 8:47:20
